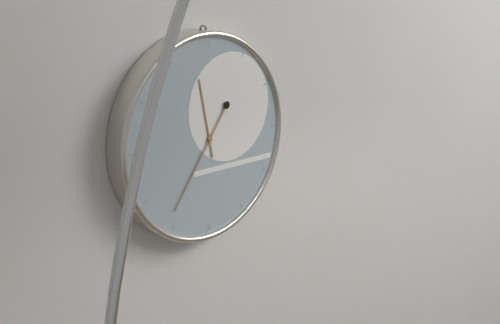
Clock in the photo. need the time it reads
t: 11:36
